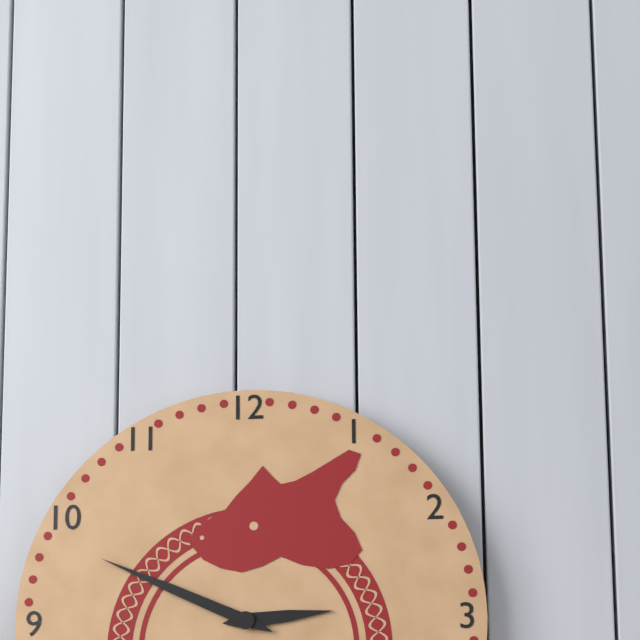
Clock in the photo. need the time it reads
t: 2:49
